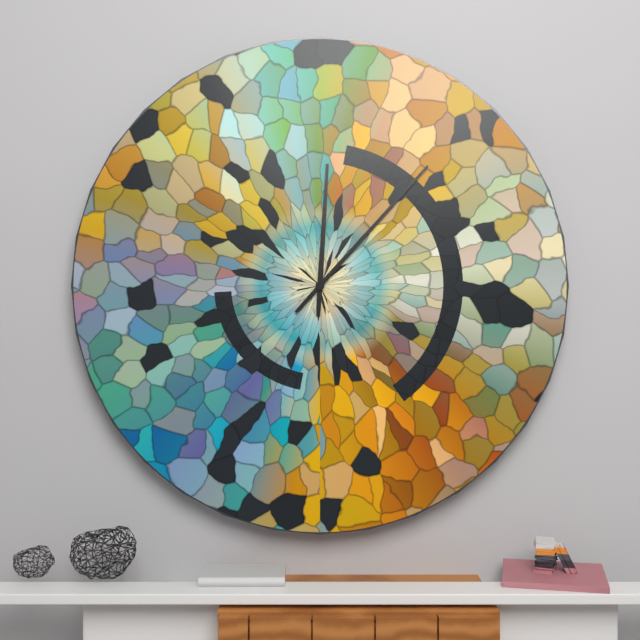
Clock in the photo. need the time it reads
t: 12:07
